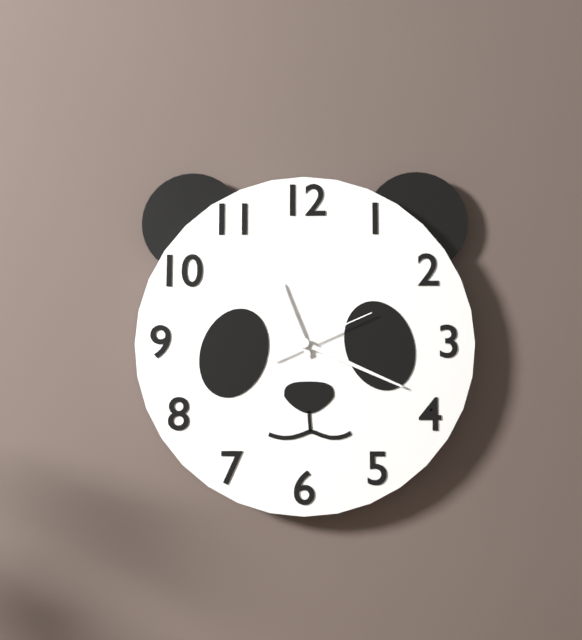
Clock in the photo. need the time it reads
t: 11:19:11
